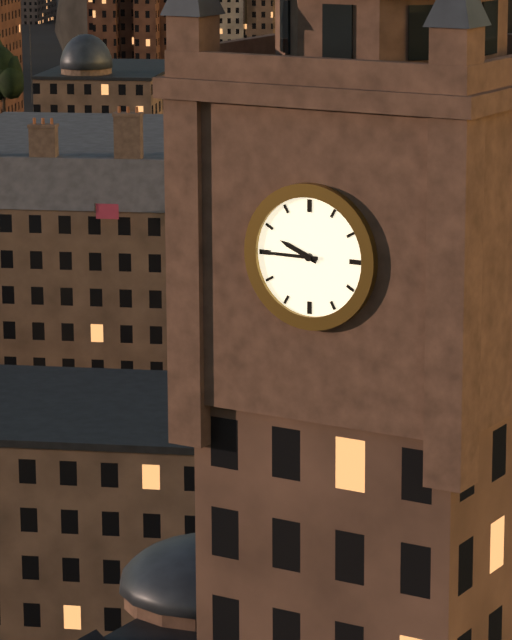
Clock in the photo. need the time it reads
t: 9:45
